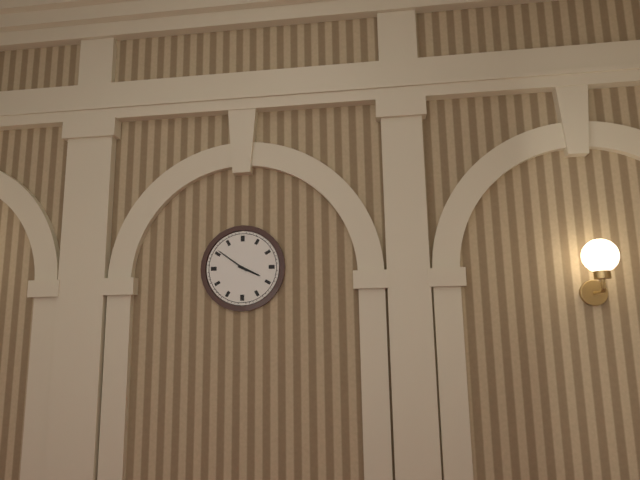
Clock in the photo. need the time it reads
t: 3:51
